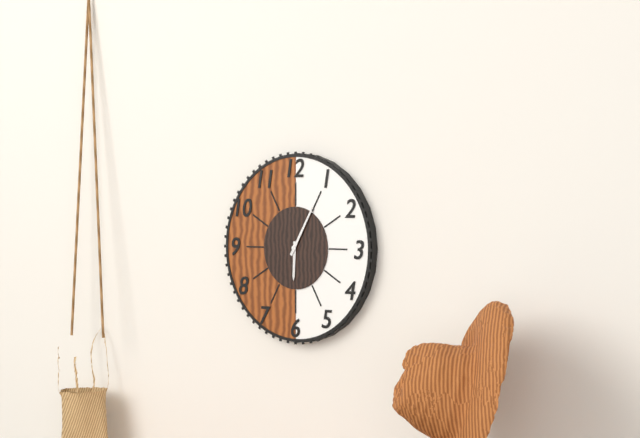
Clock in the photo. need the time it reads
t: 6:05
